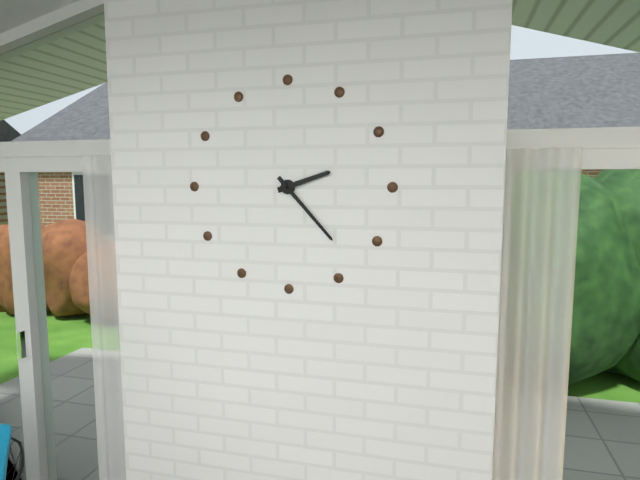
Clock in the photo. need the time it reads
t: 2:23
